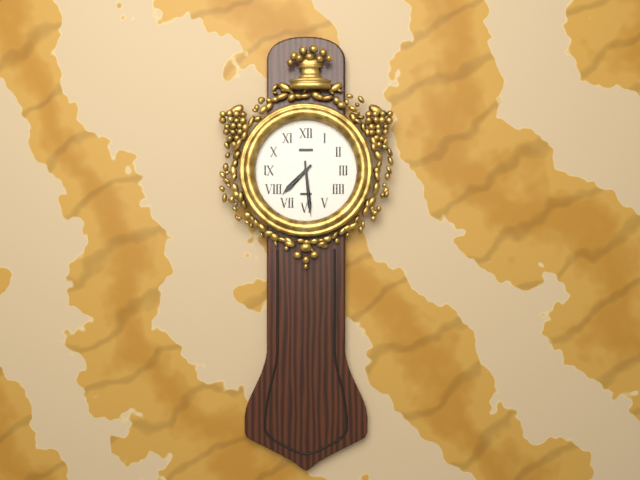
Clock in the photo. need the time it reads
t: 7:29
